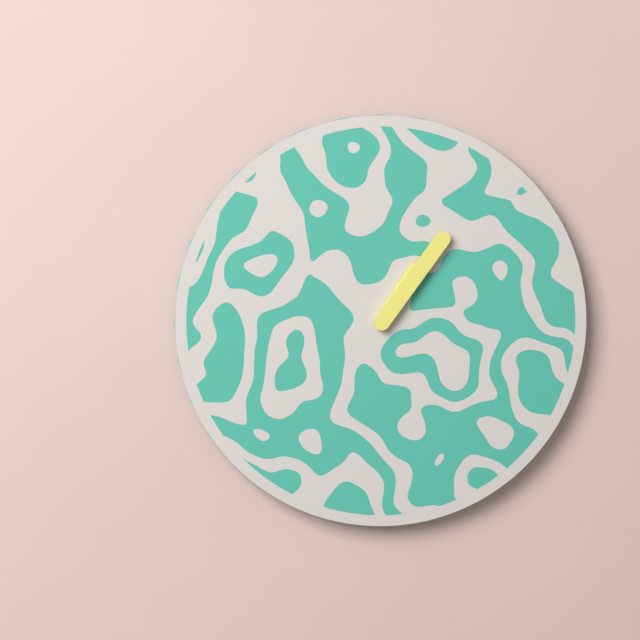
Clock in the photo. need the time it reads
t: 1:06
